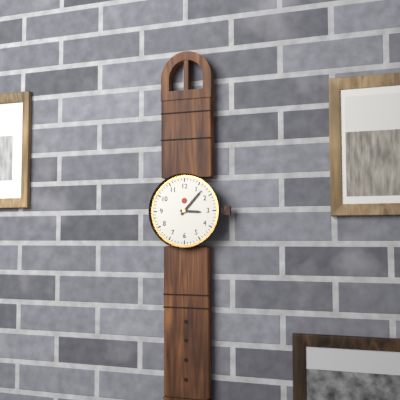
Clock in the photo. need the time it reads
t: 3:07
